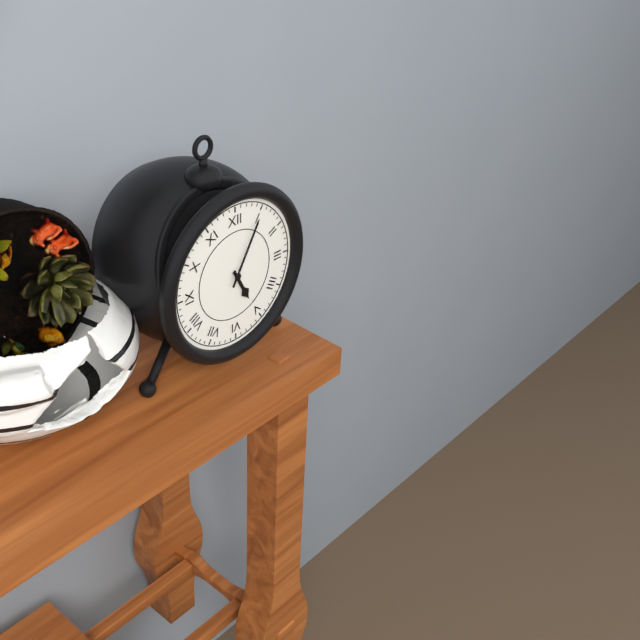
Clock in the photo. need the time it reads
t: 5:05
